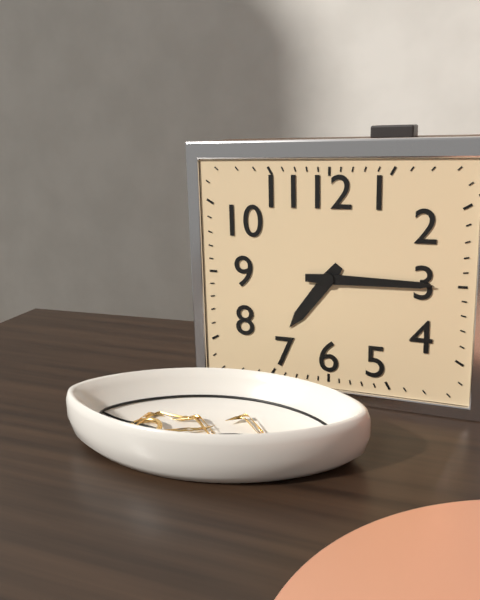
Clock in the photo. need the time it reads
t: 7:15
